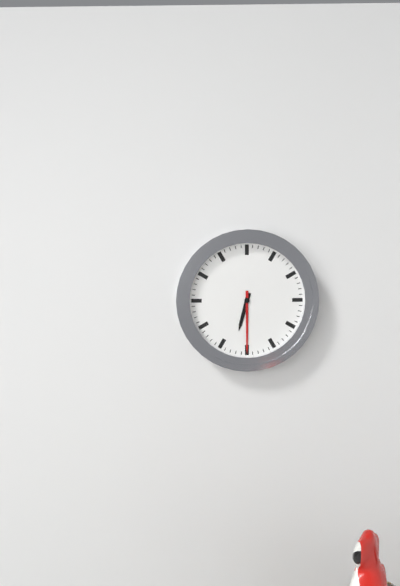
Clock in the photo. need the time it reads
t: 6:30
